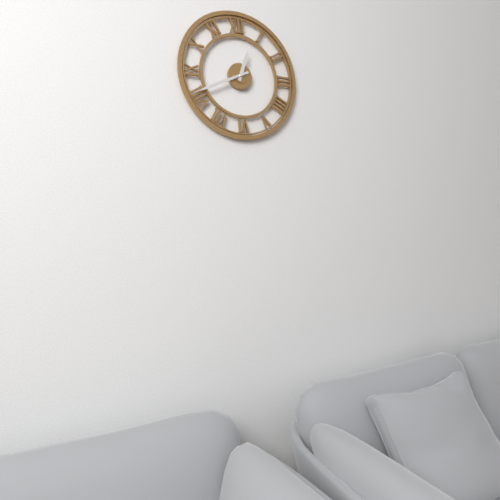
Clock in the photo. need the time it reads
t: 12:41
